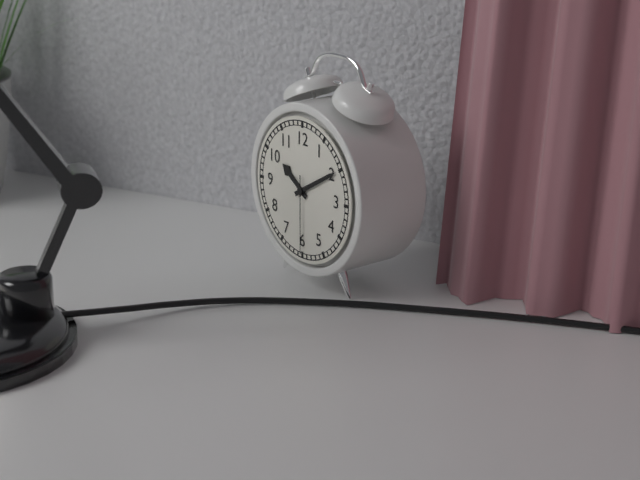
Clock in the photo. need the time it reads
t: 10:10:30
